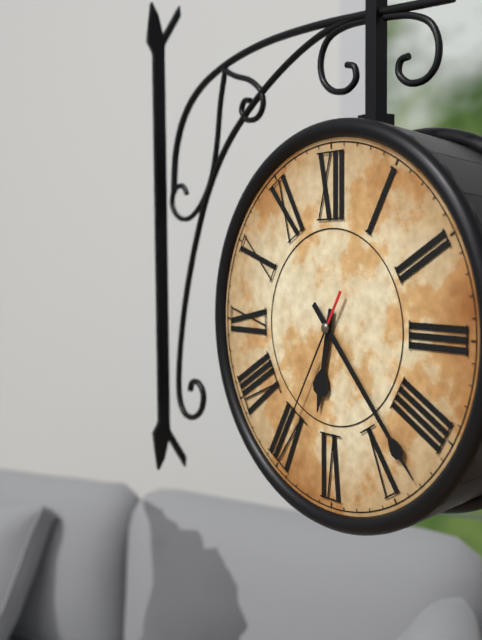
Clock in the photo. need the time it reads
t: 6:23:35
